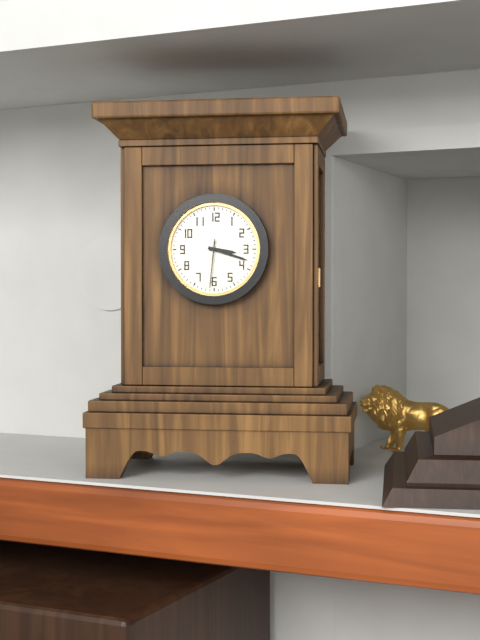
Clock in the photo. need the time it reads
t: 3:18
